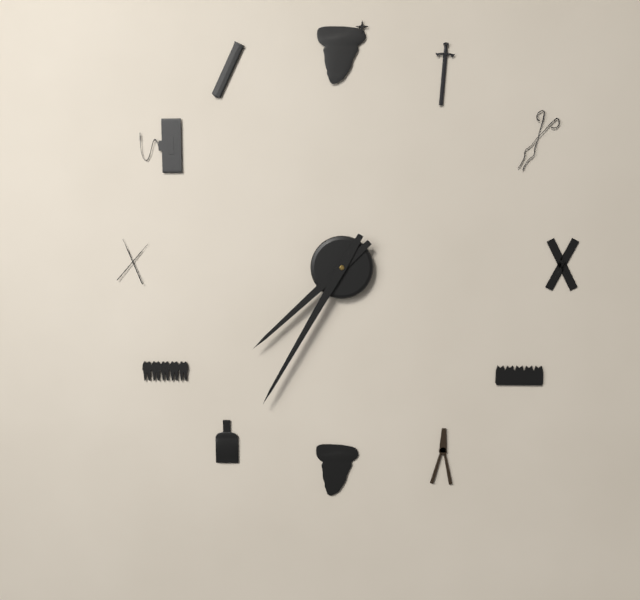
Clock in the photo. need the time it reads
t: 7:35
